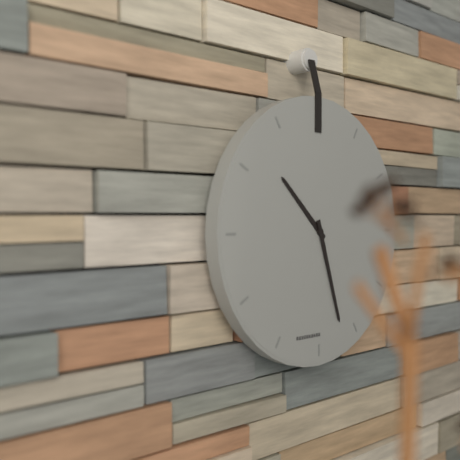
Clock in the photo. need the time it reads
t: 10:27
